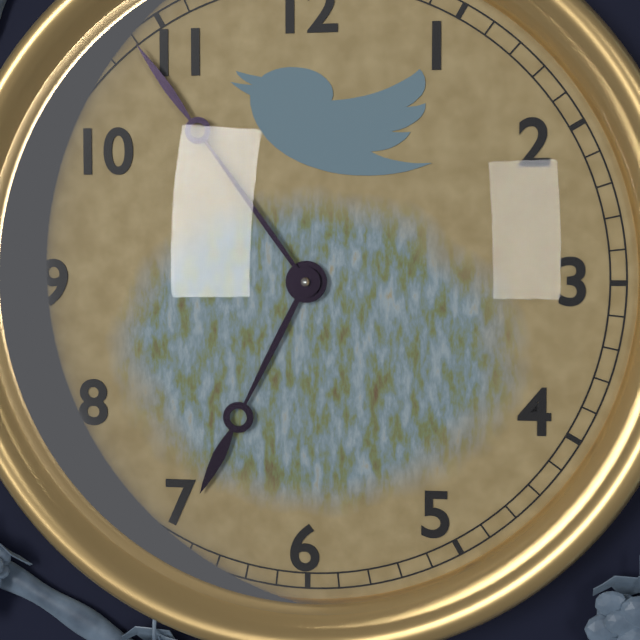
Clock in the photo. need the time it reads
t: 6:54
